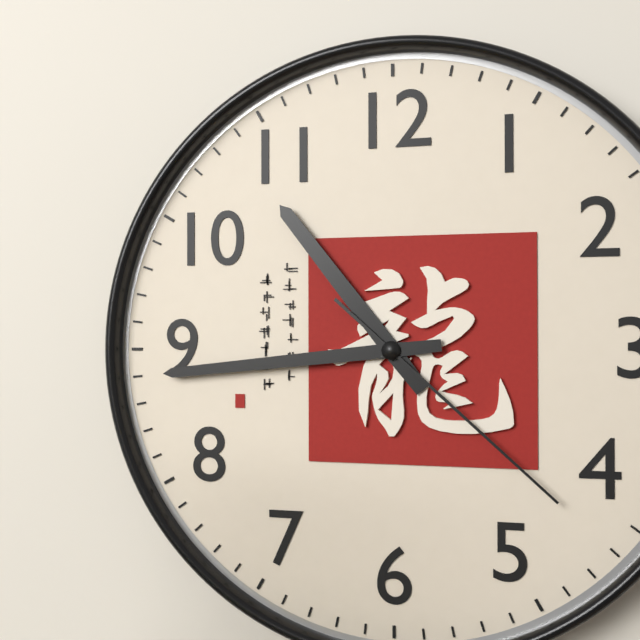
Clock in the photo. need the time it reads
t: 10:44:22
